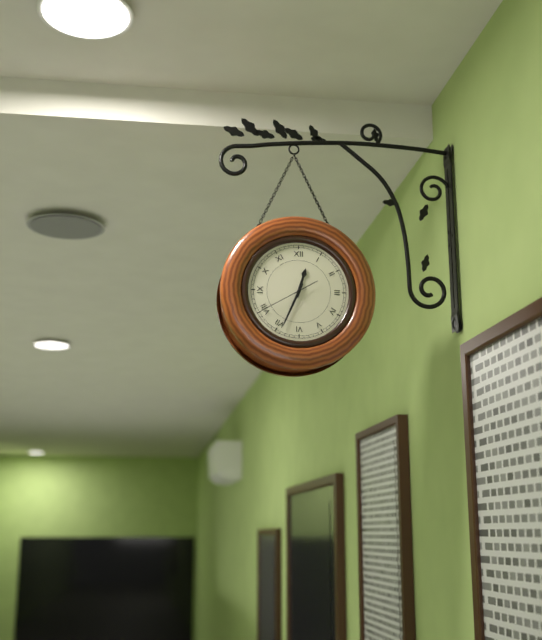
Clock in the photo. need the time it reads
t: 12:34
